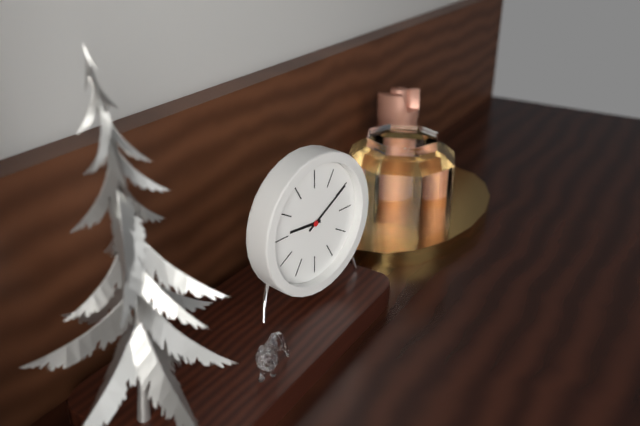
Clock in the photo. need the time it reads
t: 9:10
